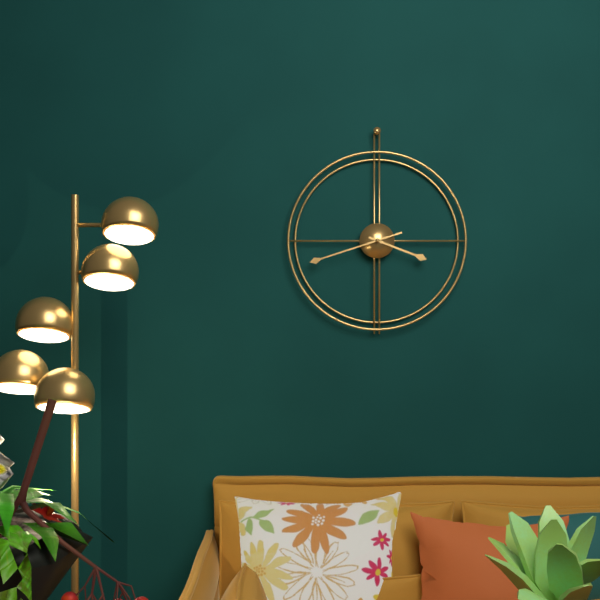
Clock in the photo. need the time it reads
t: 3:42
